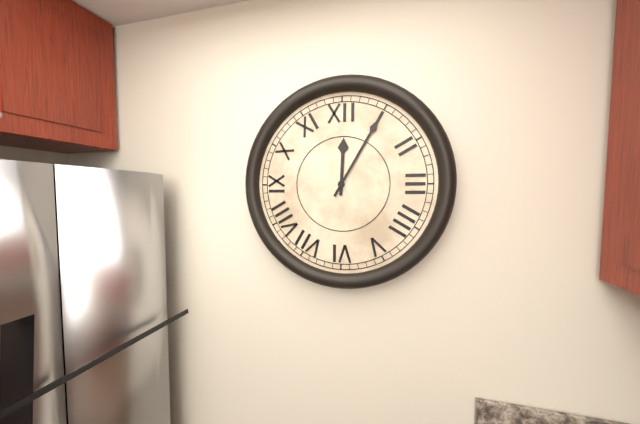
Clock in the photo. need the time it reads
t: 12:05
